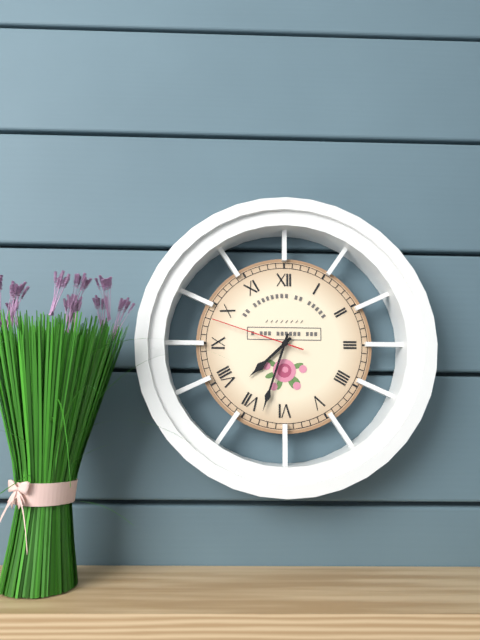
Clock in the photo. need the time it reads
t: 7:33:48
